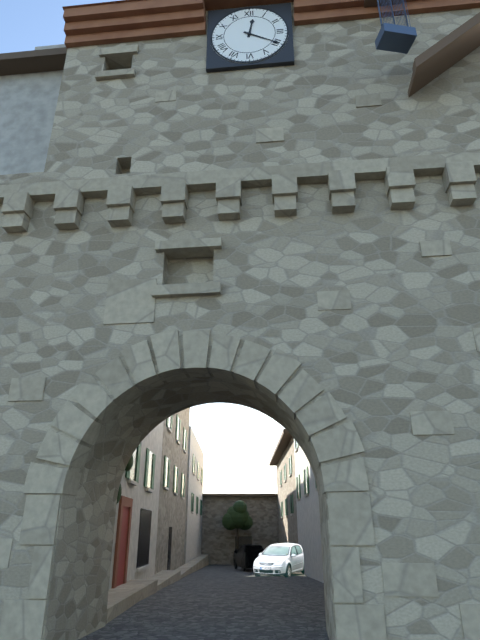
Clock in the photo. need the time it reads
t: 12:20
